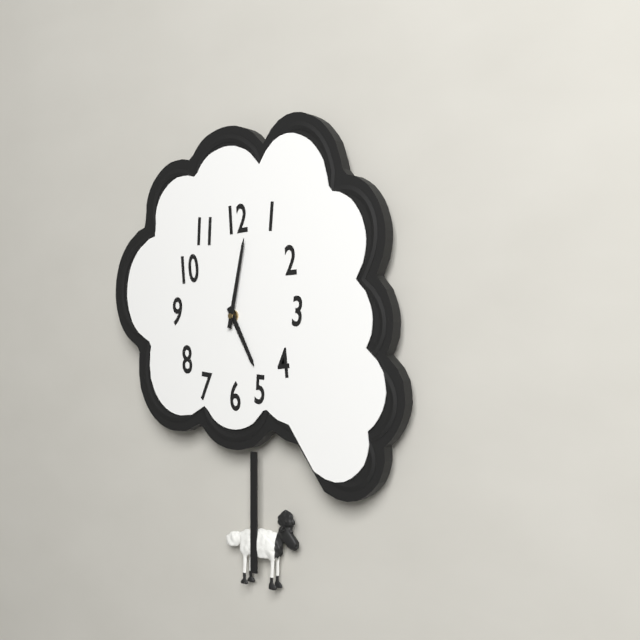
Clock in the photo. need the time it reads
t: 5:02
